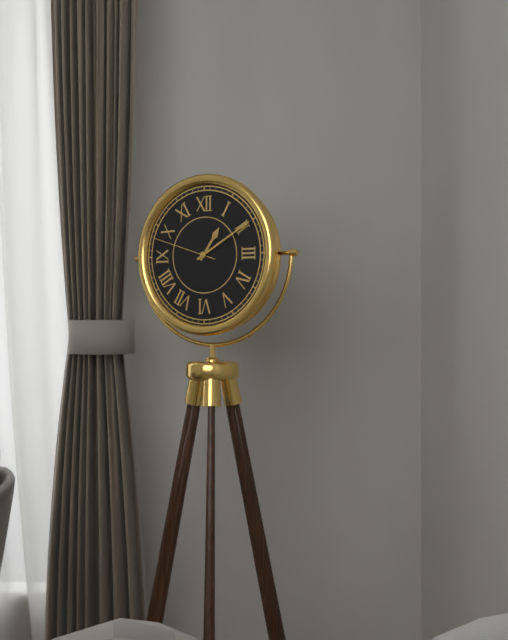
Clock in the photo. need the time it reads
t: 1:10:48
